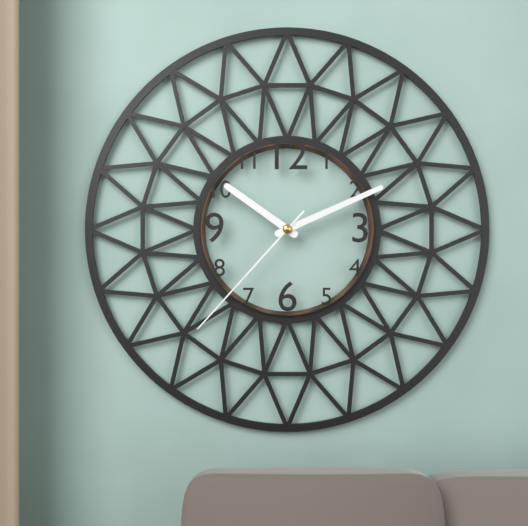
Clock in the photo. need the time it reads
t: 10:11:37
